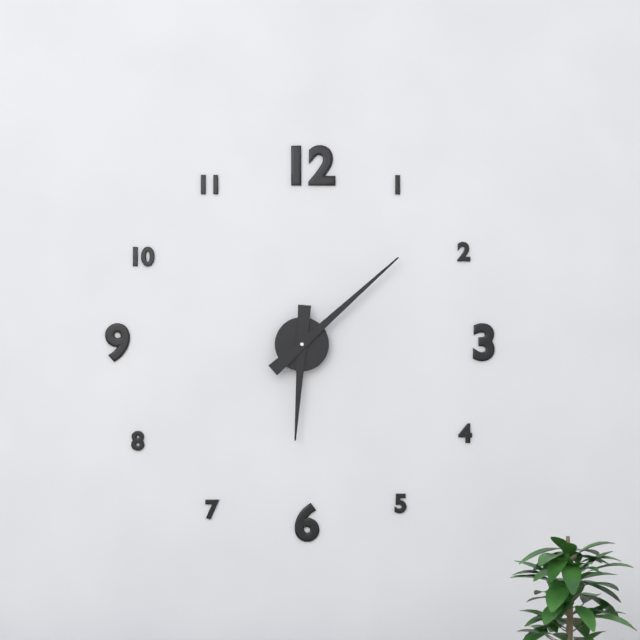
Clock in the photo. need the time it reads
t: 6:08
